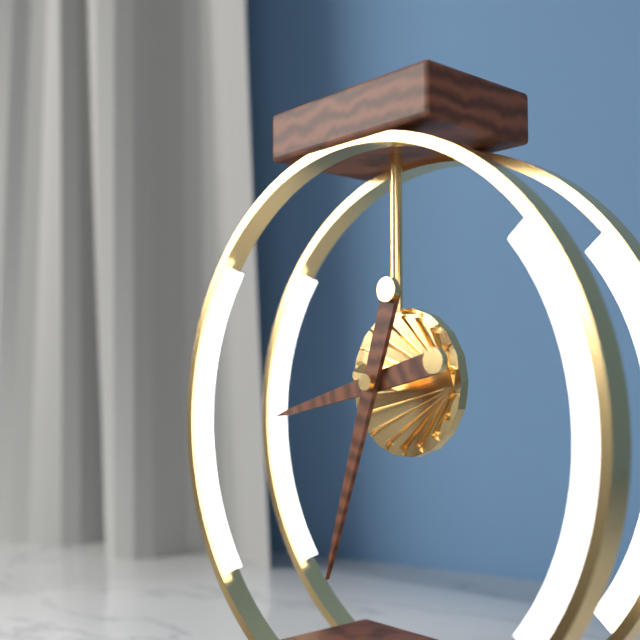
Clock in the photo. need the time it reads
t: 8:33
